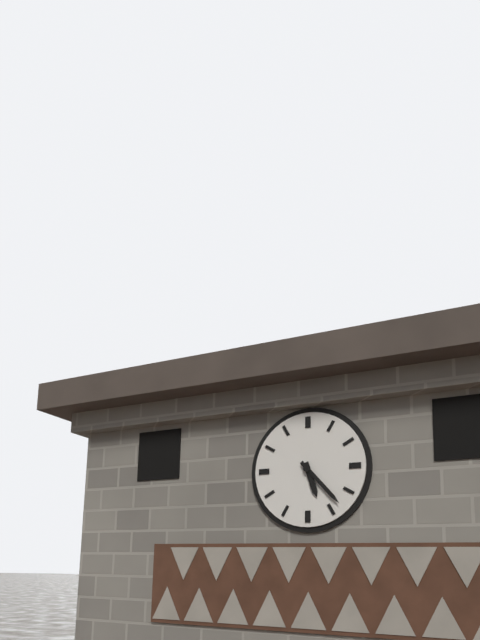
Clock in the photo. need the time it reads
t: 5:23
